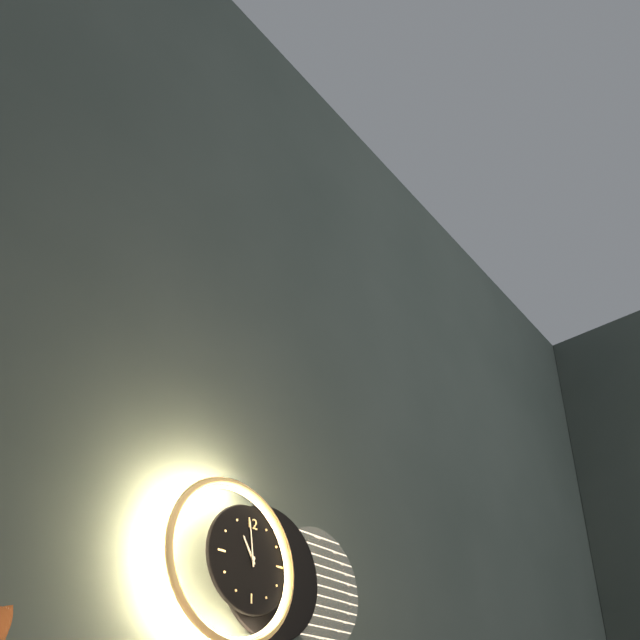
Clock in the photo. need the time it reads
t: 10:59
